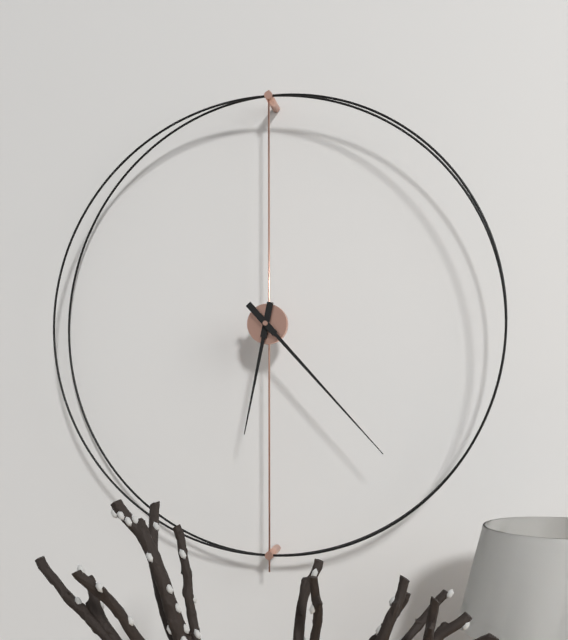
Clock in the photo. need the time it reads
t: 6:23
